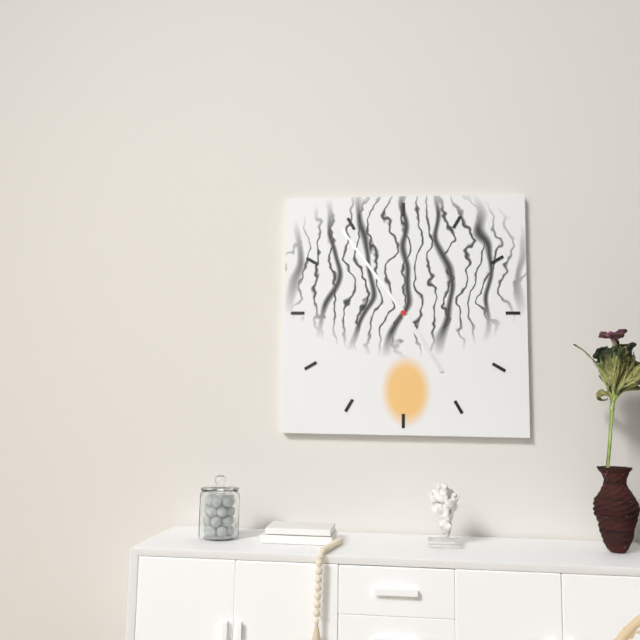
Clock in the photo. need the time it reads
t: 4:54
